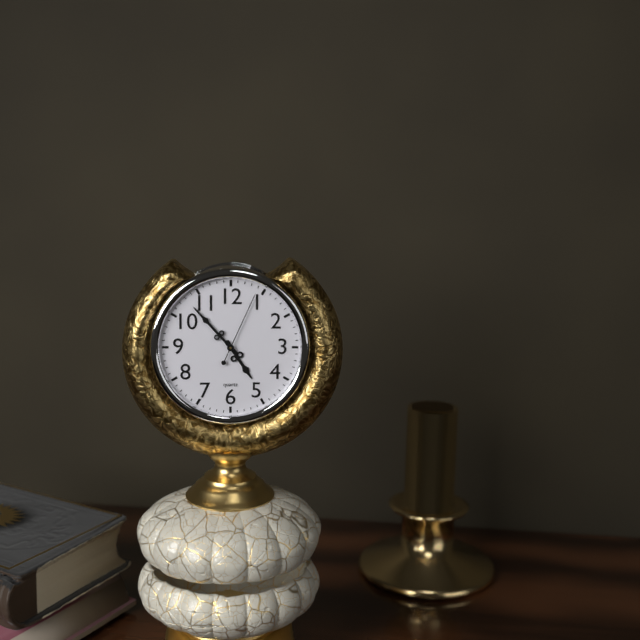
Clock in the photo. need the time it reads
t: 4:53:04
